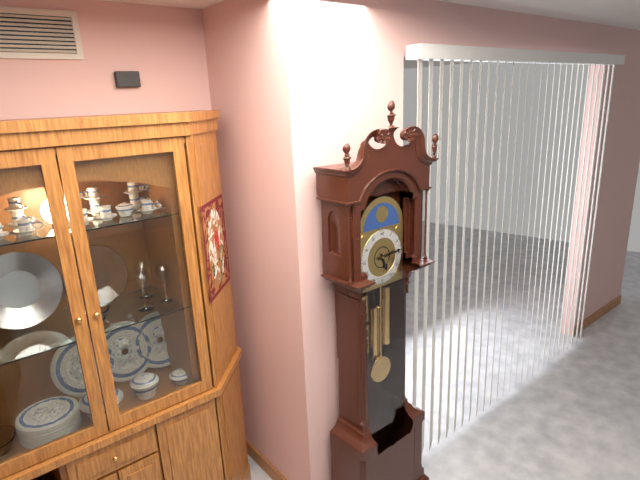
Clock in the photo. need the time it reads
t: 5:14
